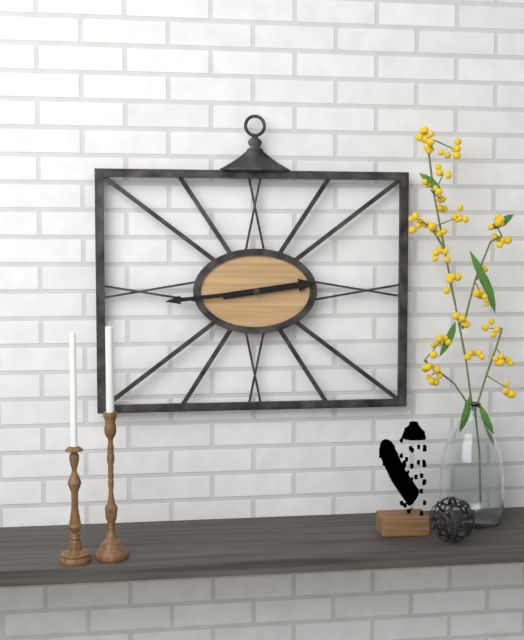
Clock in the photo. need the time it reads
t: 2:44
